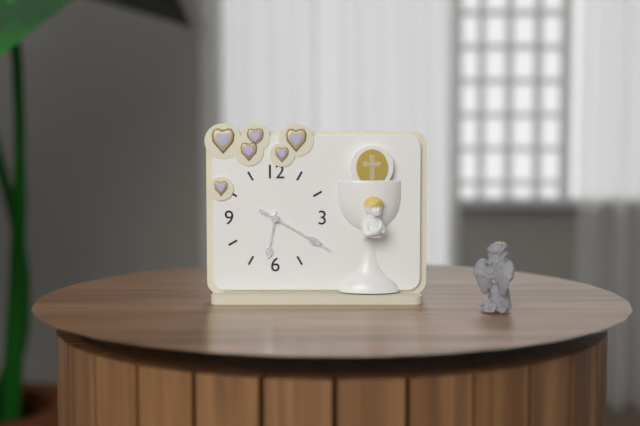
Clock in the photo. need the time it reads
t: 6:20:20
